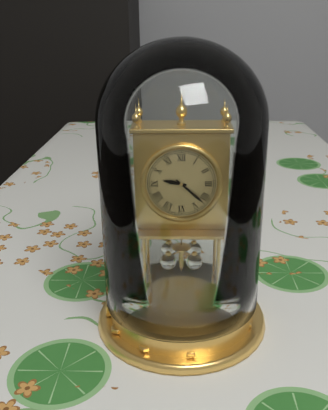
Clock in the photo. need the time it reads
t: 9:22
